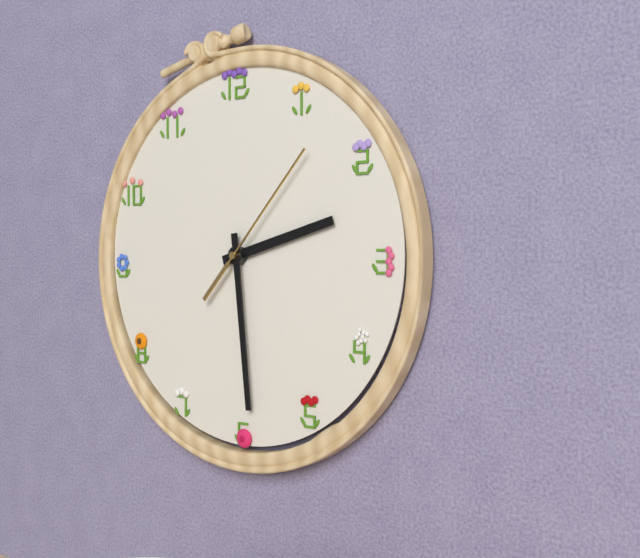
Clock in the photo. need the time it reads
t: 2:29:07
